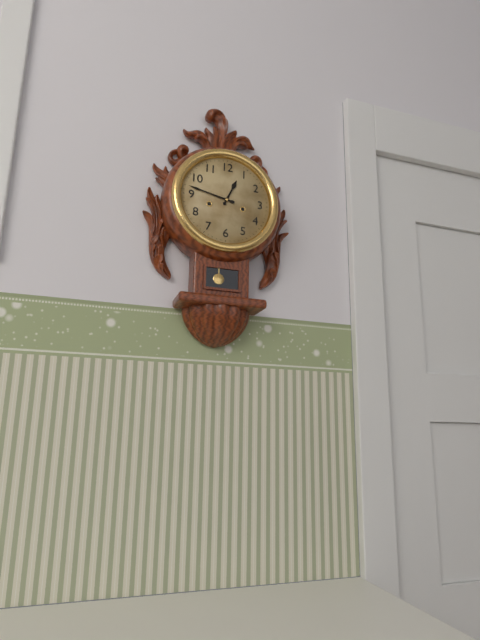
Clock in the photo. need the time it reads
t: 12:47
